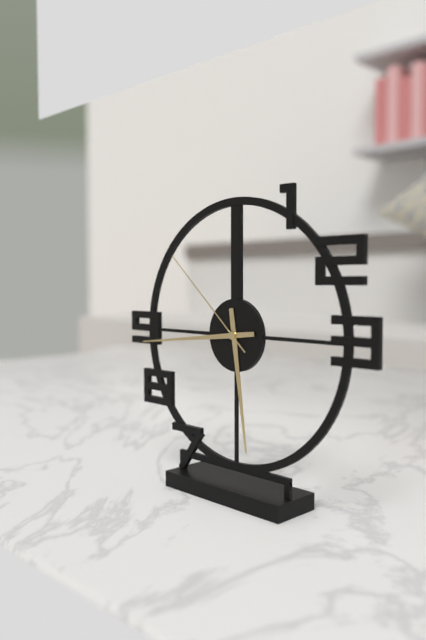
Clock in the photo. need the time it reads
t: 5:44:52
